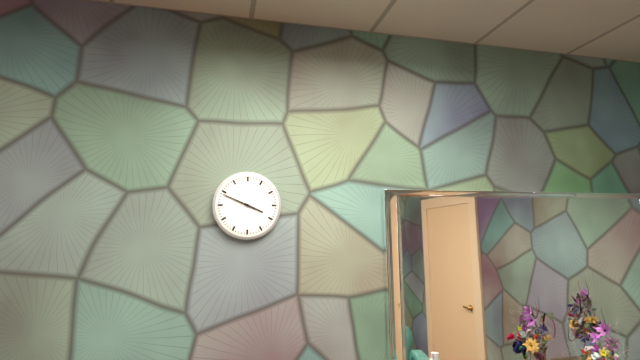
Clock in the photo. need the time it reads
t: 3:49
